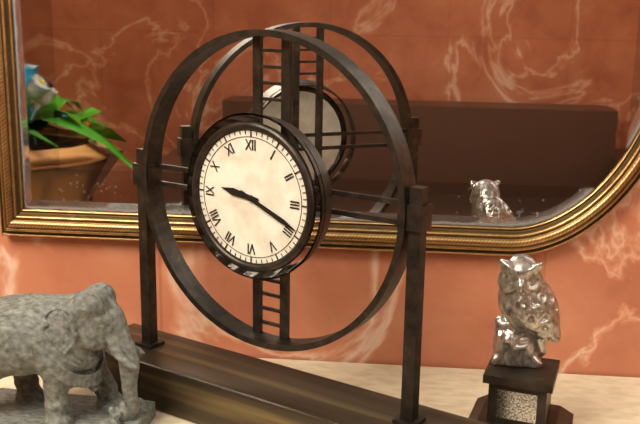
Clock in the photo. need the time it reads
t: 9:19
